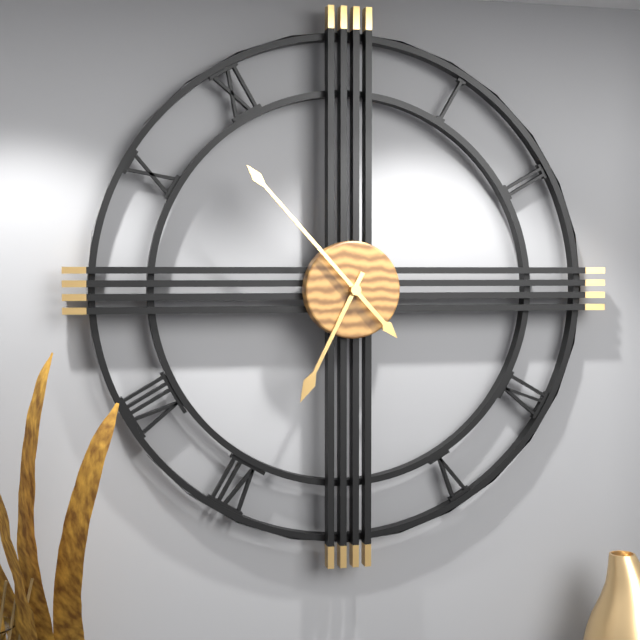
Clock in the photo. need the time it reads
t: 6:53
